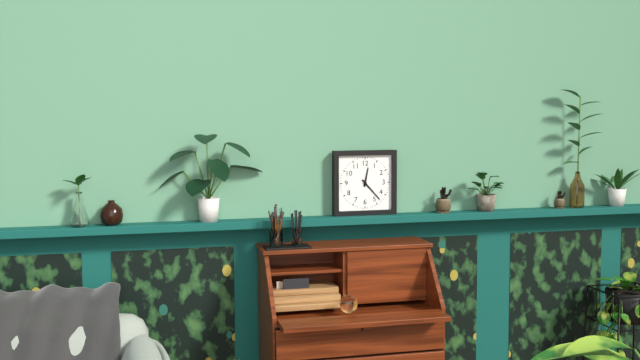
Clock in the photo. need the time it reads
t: 12:23
